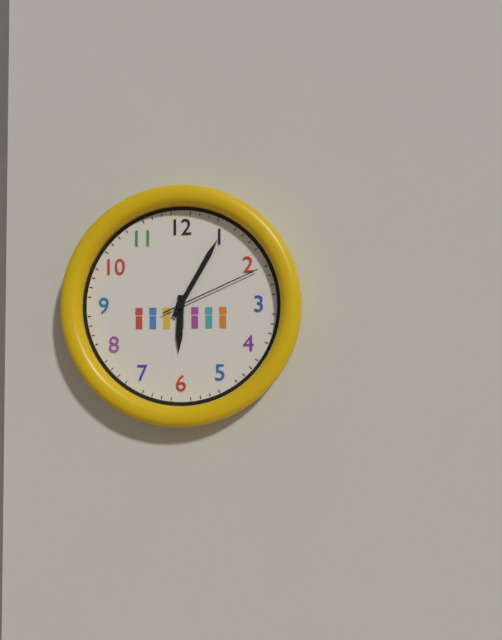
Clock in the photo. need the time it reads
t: 6:05:11
